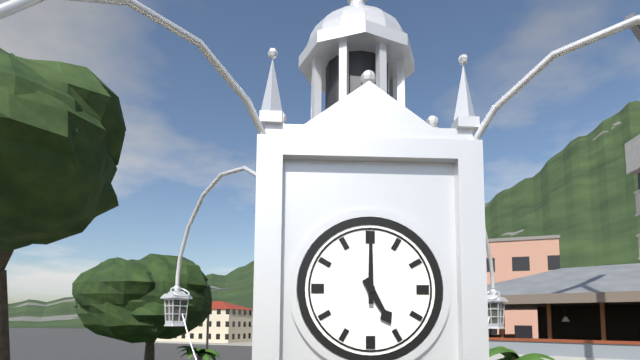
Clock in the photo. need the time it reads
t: 5:00
